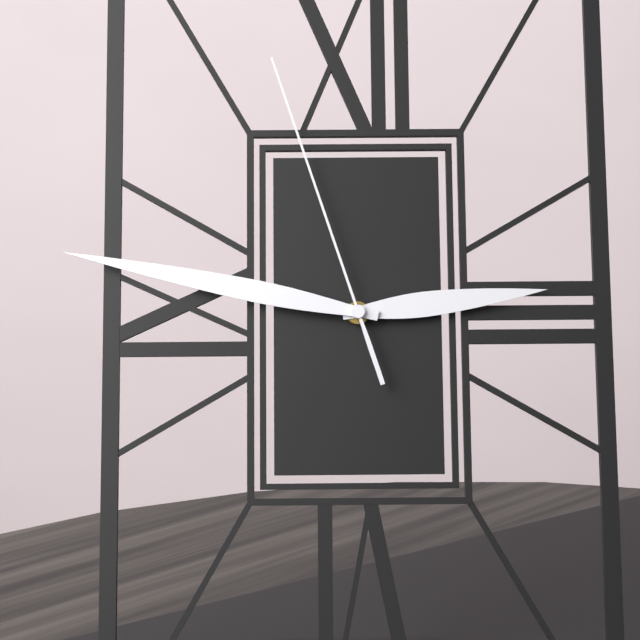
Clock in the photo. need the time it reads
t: 2:47:57
